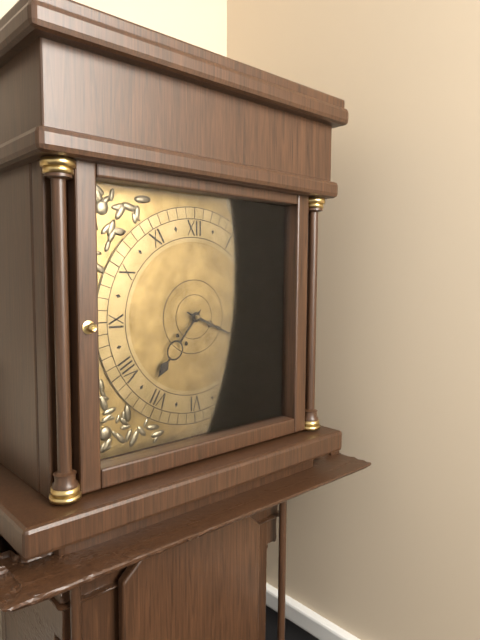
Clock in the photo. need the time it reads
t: 7:19
